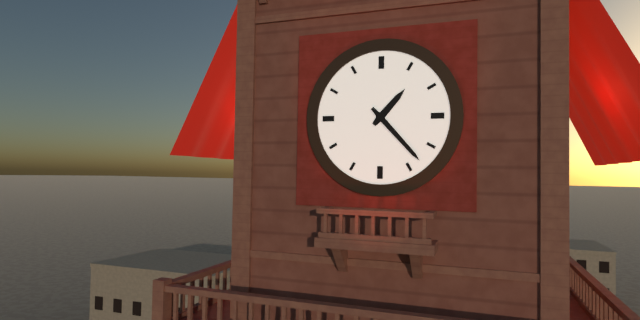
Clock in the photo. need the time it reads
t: 1:23
